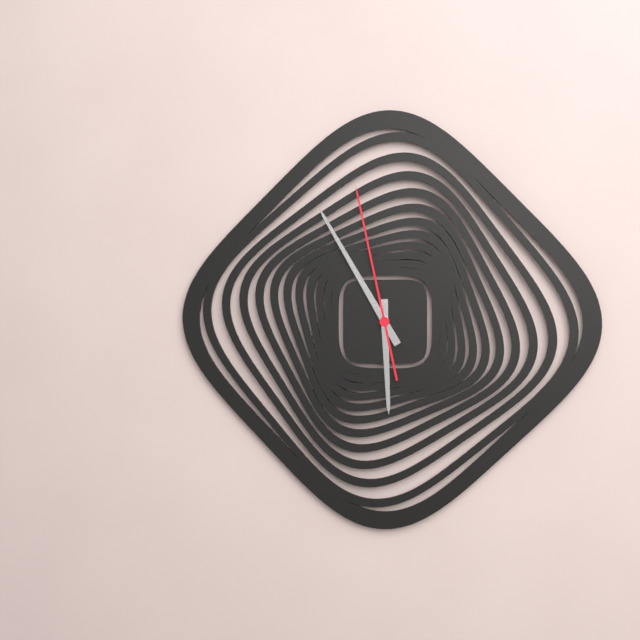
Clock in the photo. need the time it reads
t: 5:55:58
